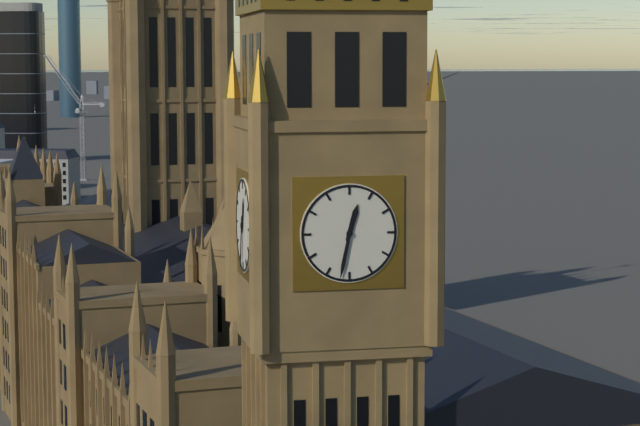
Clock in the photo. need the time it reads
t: 12:32
